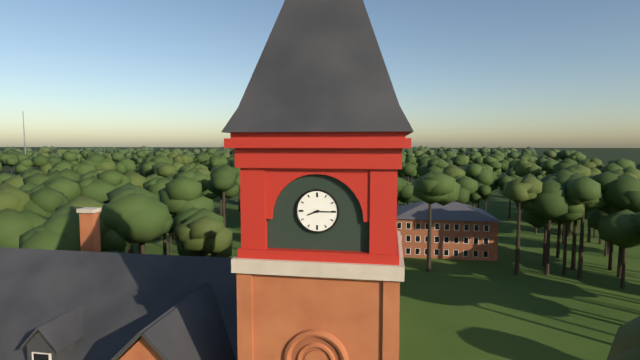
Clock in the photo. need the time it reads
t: 8:15
